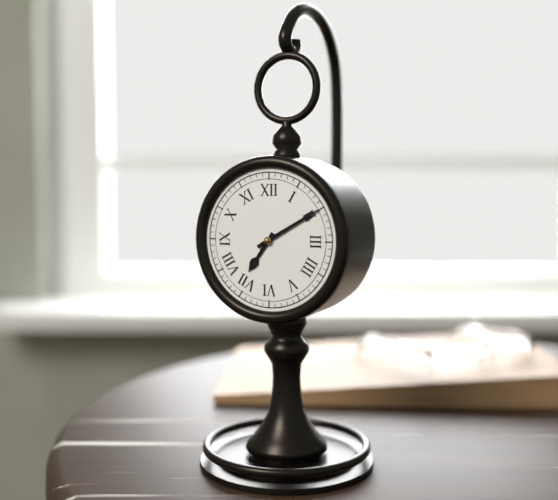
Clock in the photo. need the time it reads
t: 7:10
